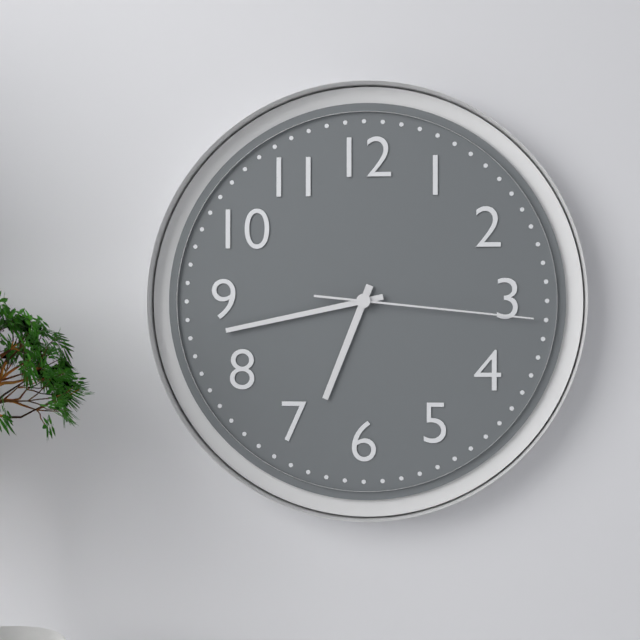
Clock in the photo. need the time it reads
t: 6:43:16
